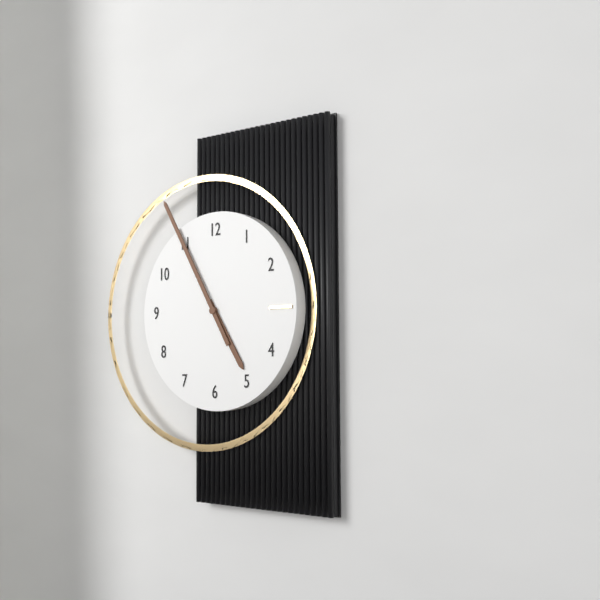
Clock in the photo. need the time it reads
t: 4:55
